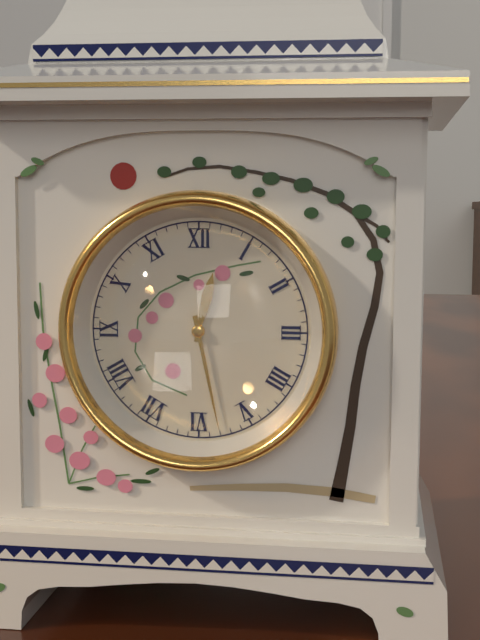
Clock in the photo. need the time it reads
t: 12:28
